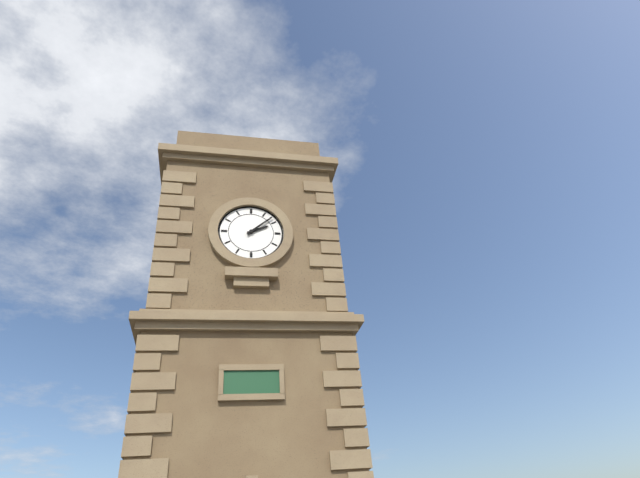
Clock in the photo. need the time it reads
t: 2:08
